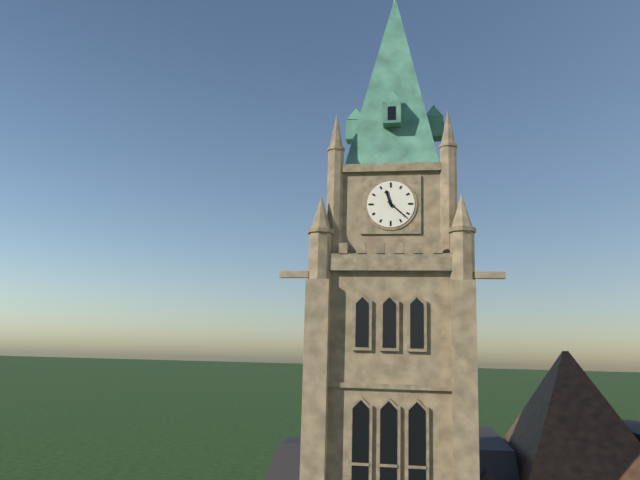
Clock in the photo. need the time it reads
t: 11:22
